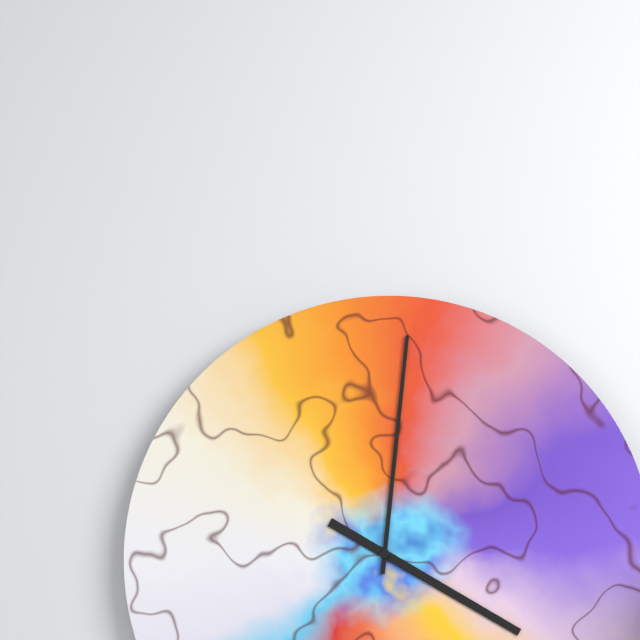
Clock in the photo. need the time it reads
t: 4:01
